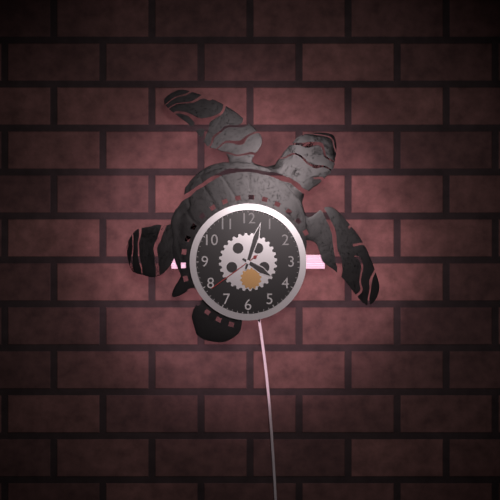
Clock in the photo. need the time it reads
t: 4:03:39
